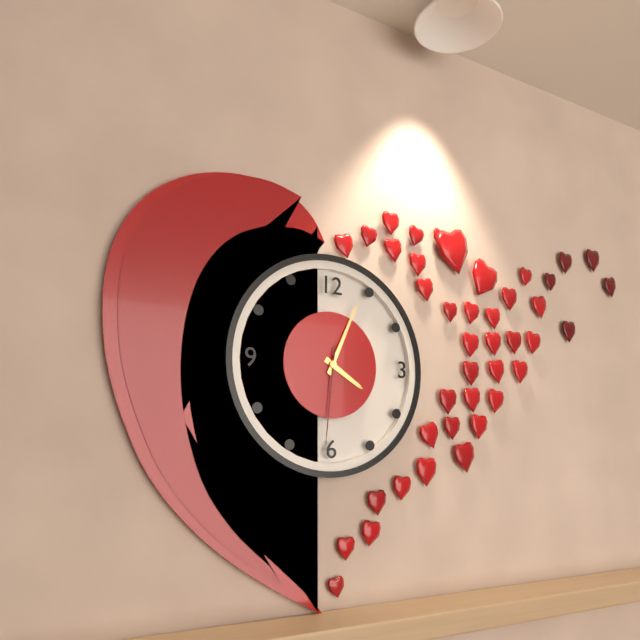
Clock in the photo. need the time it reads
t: 4:04:31
